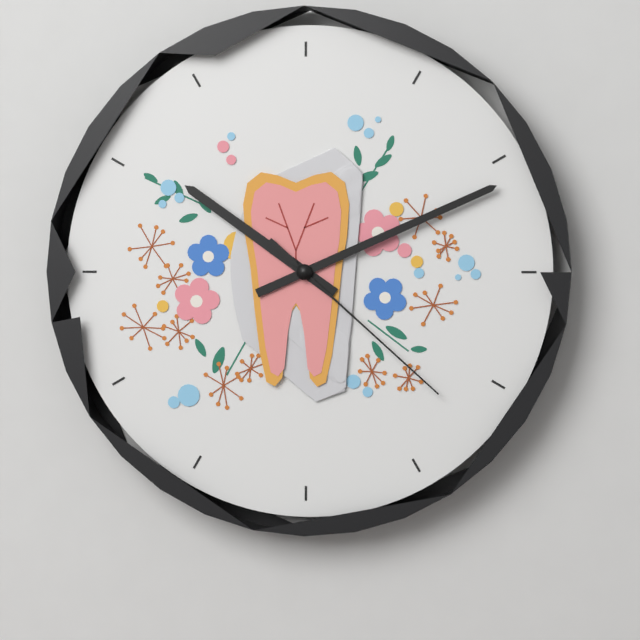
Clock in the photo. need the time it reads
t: 10:11:22
